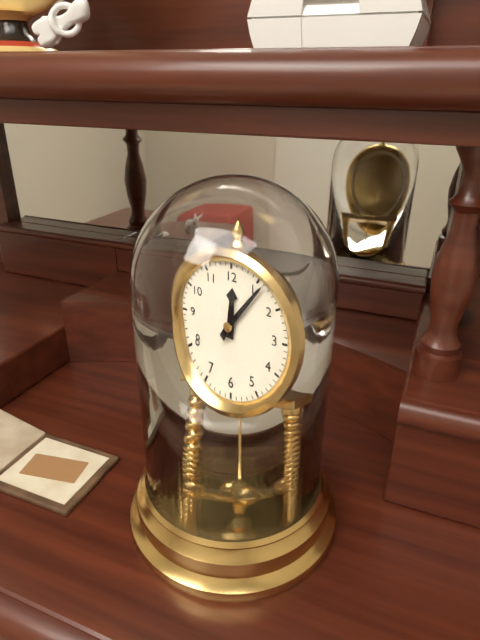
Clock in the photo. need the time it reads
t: 12:06
